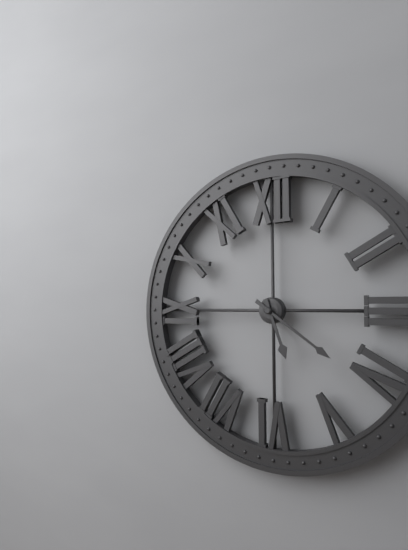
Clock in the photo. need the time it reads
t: 5:21
